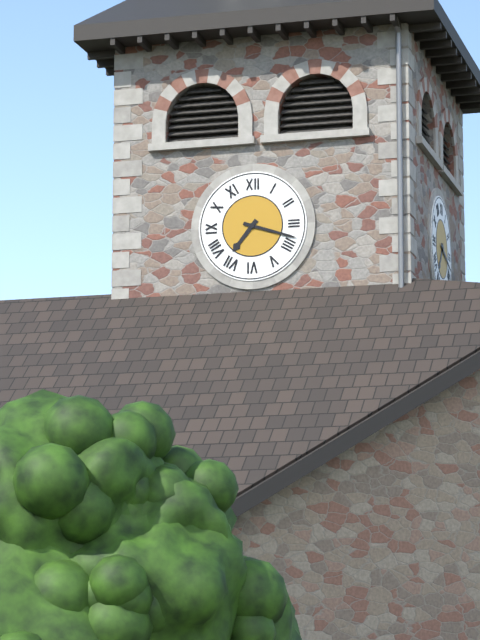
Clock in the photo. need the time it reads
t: 7:18
